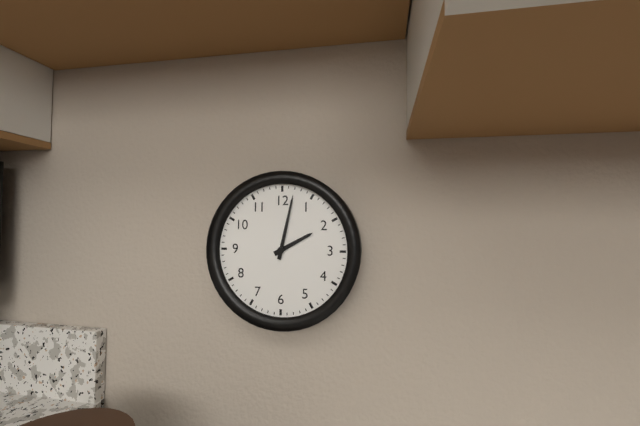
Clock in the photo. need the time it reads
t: 2:02
